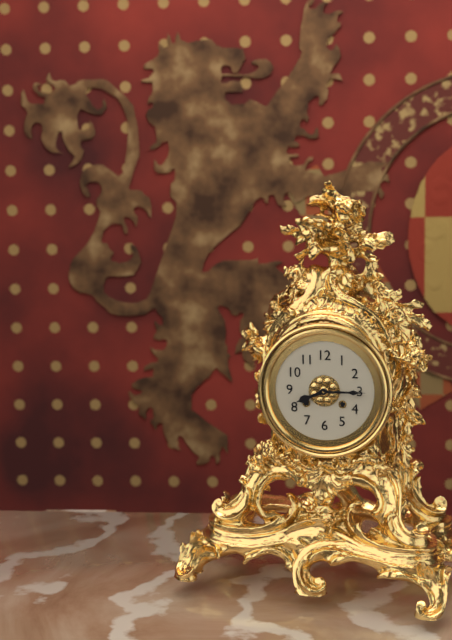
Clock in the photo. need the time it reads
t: 8:15
